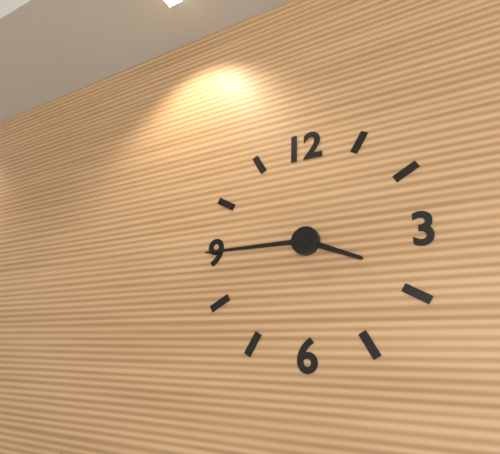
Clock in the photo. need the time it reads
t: 3:45
